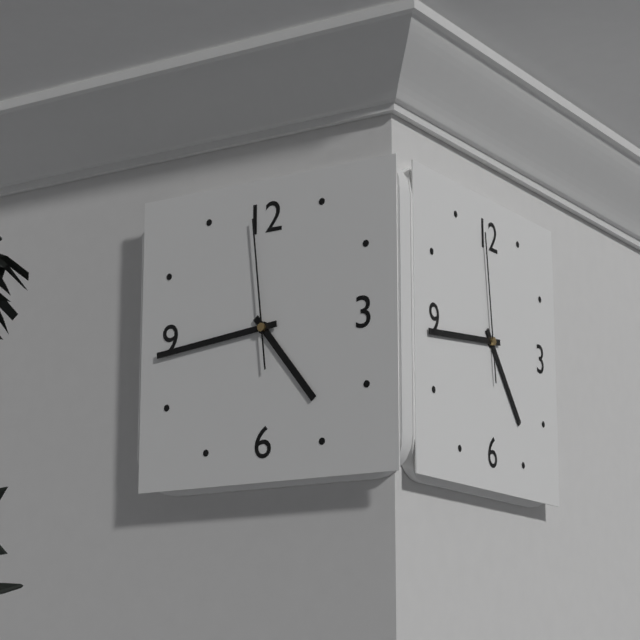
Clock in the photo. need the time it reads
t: 4:44:59
